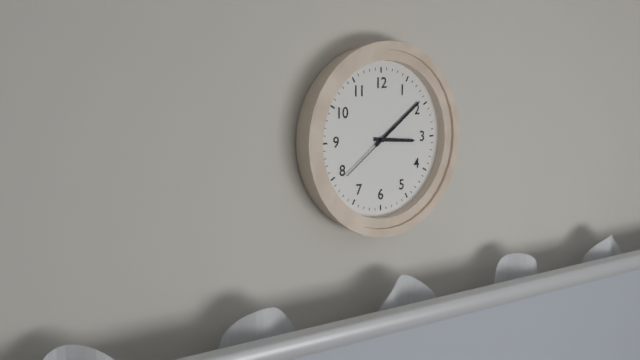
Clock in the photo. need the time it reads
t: 3:09:39
